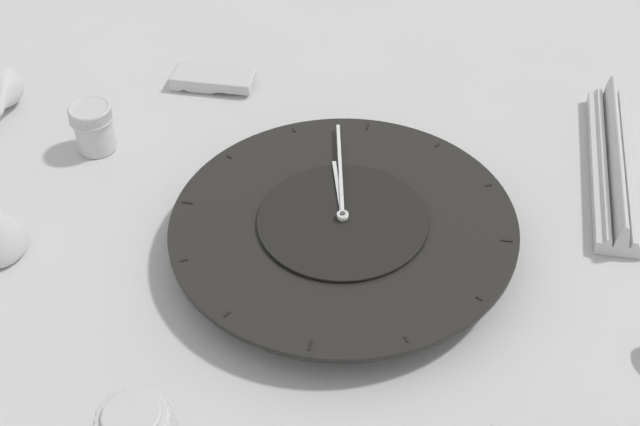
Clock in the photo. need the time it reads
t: 5:28
